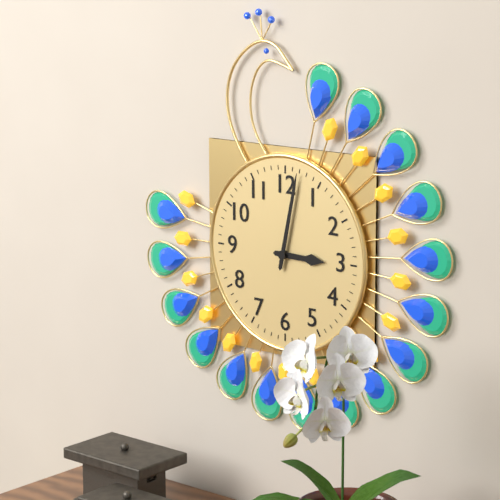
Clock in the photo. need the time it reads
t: 3:02
